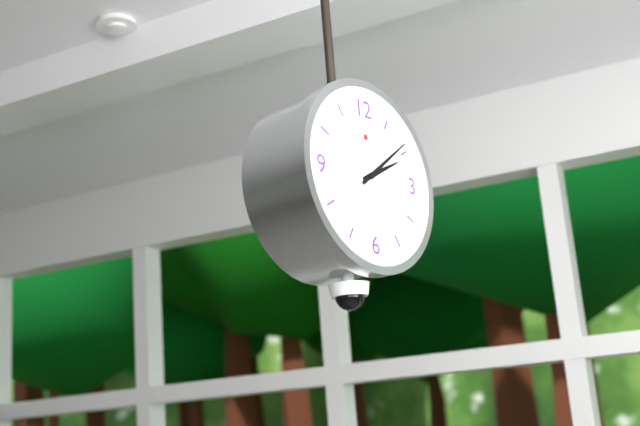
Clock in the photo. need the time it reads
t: 2:09
